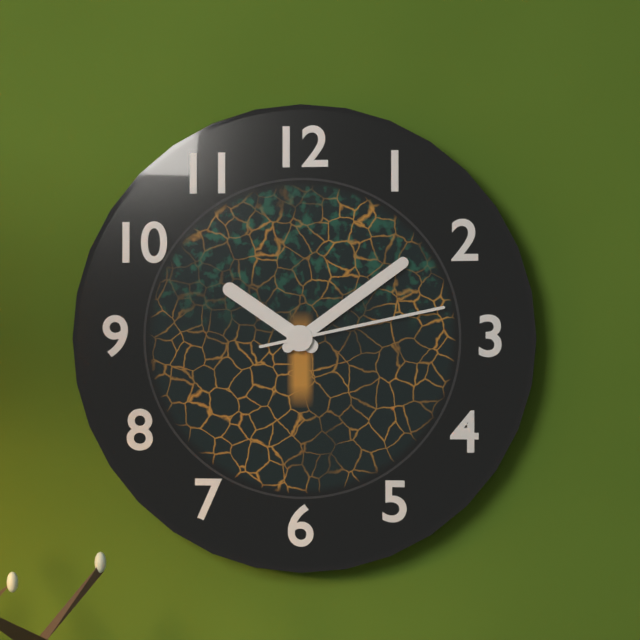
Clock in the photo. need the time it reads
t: 10:09:13
